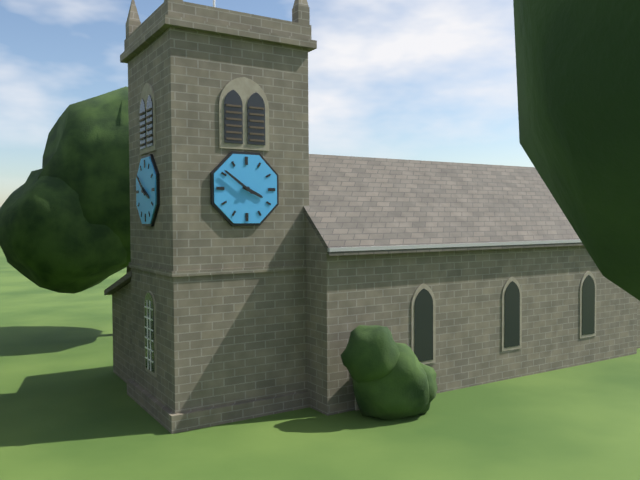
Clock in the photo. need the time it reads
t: 3:51
